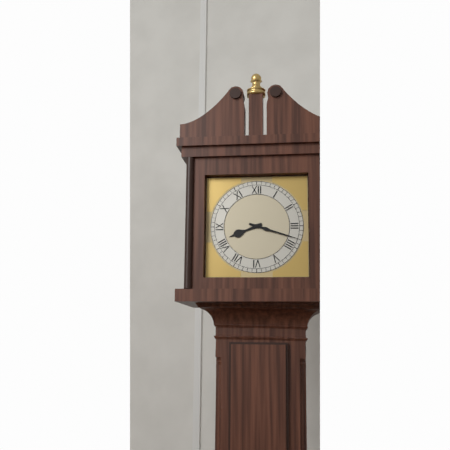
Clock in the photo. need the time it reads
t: 8:18
